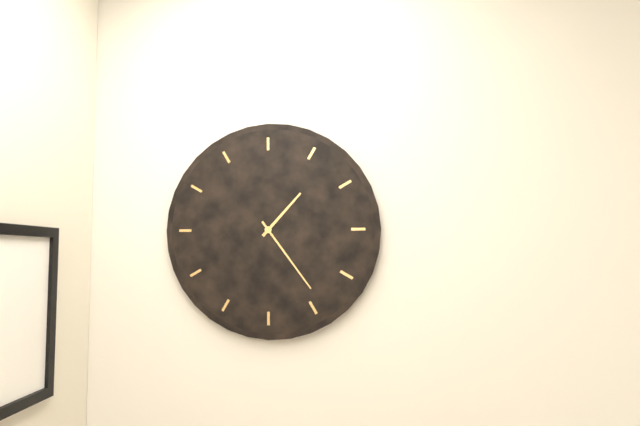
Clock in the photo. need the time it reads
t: 1:24
